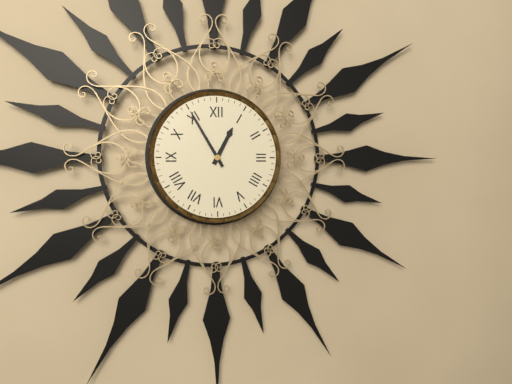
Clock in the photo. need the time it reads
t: 12:55
